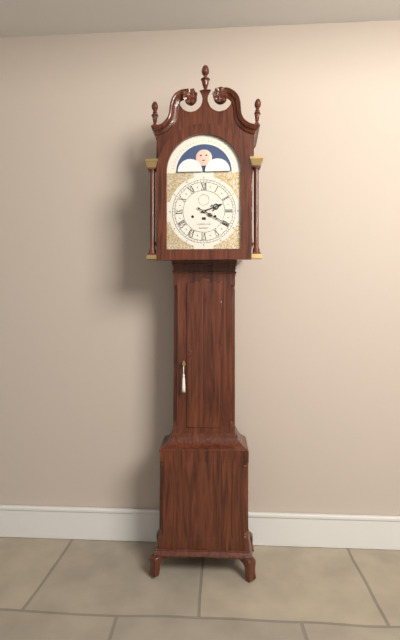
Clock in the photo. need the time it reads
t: 2:20
